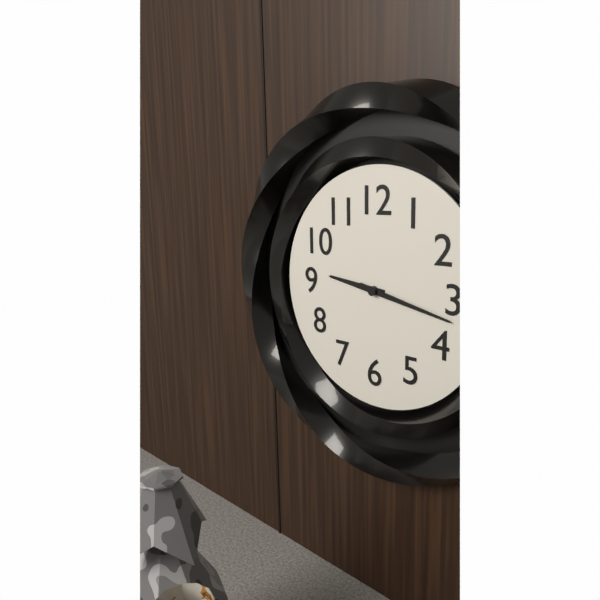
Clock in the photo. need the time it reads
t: 9:17
